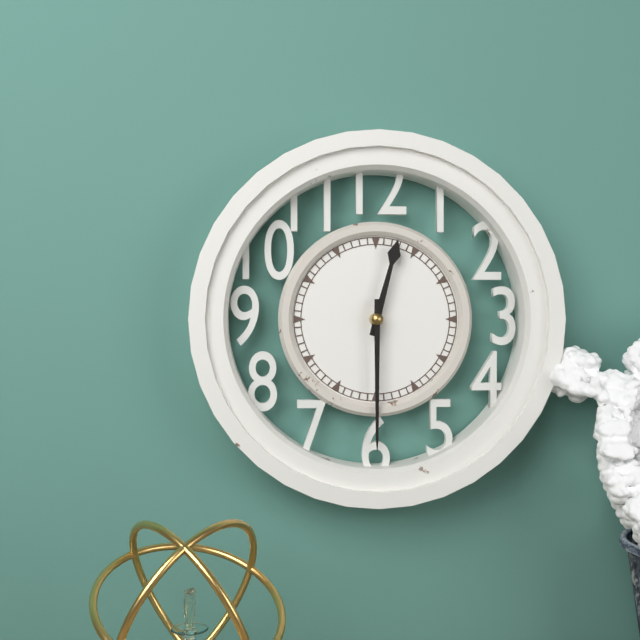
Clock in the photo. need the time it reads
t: 12:30
